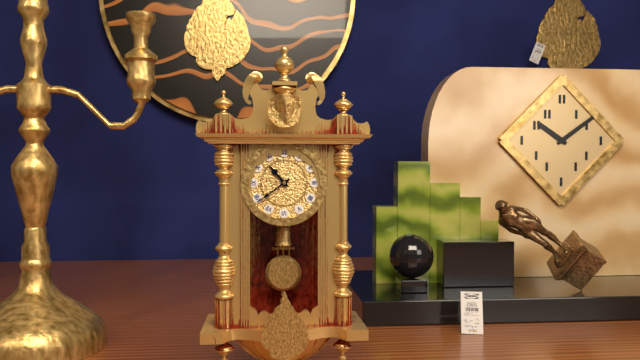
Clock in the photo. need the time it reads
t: 10:39
